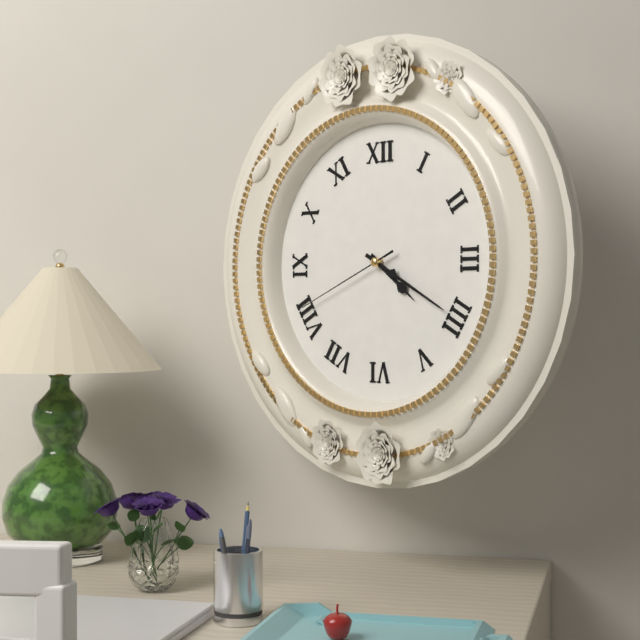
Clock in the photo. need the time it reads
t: 4:20:41
